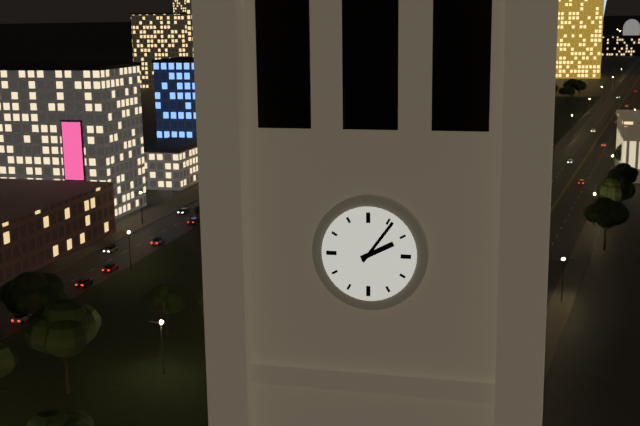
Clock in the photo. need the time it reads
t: 2:06
